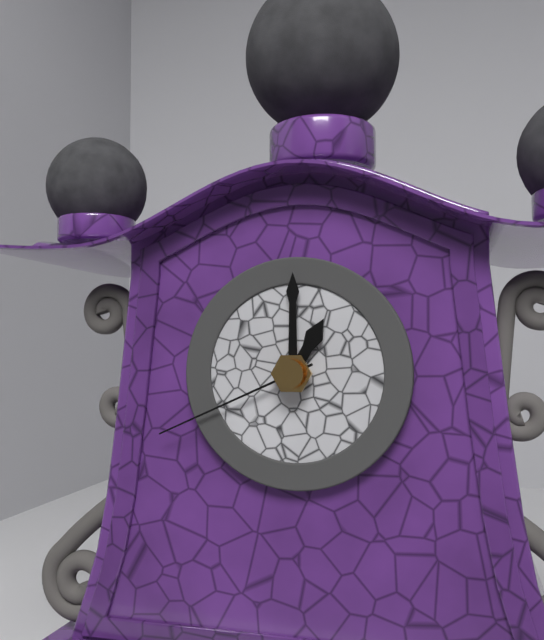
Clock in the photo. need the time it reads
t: 1:00:41
